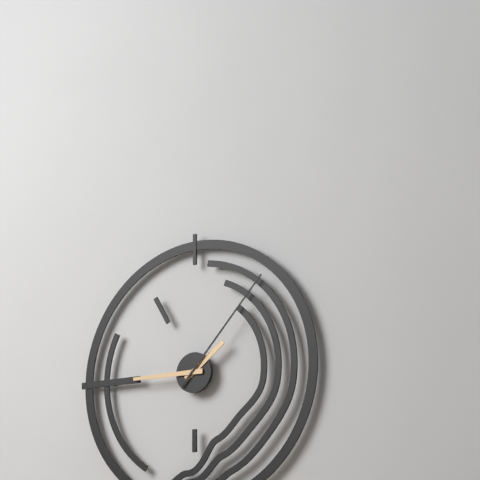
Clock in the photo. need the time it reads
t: 1:45:07
